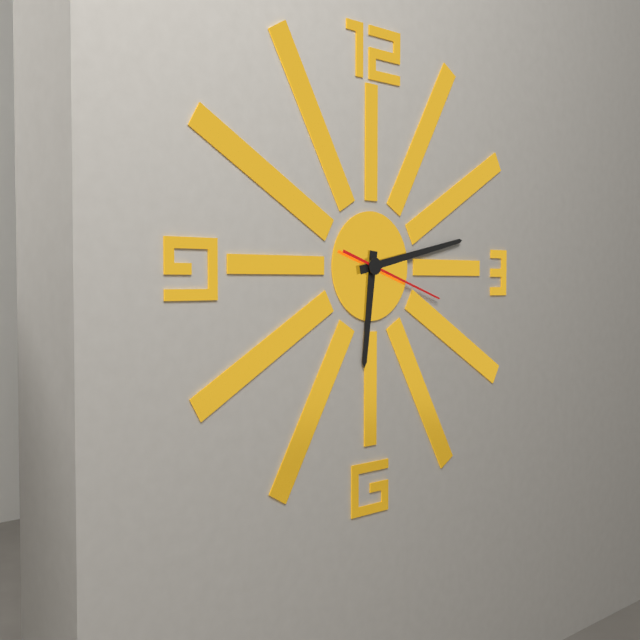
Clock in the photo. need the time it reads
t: 6:13:18
